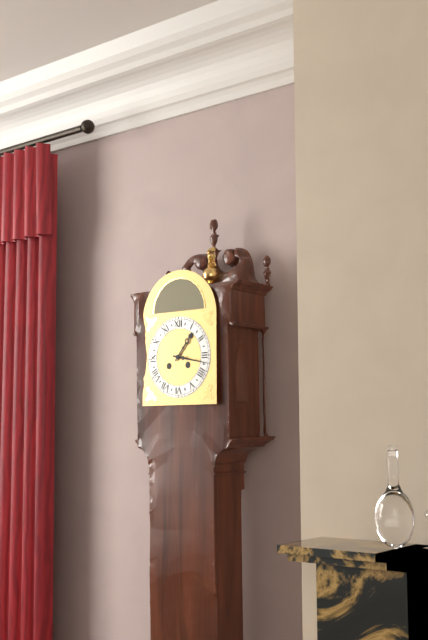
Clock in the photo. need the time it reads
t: 1:17
